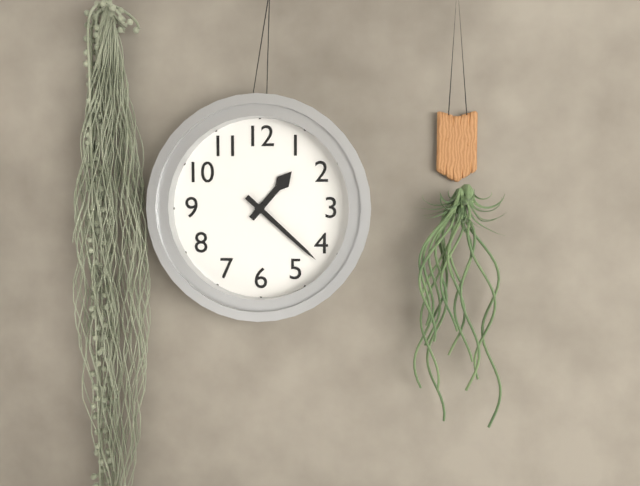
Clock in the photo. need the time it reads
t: 1:22
